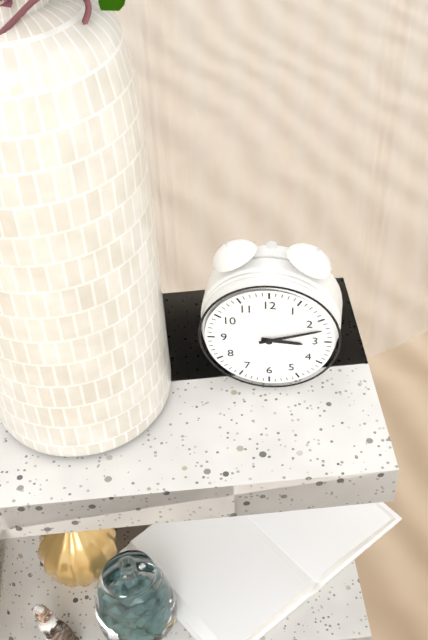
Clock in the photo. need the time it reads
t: 3:12
